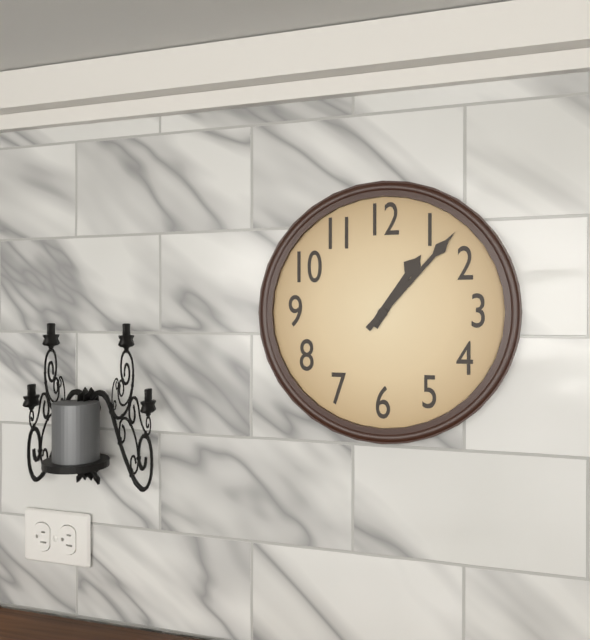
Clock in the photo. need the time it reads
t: 1:07
